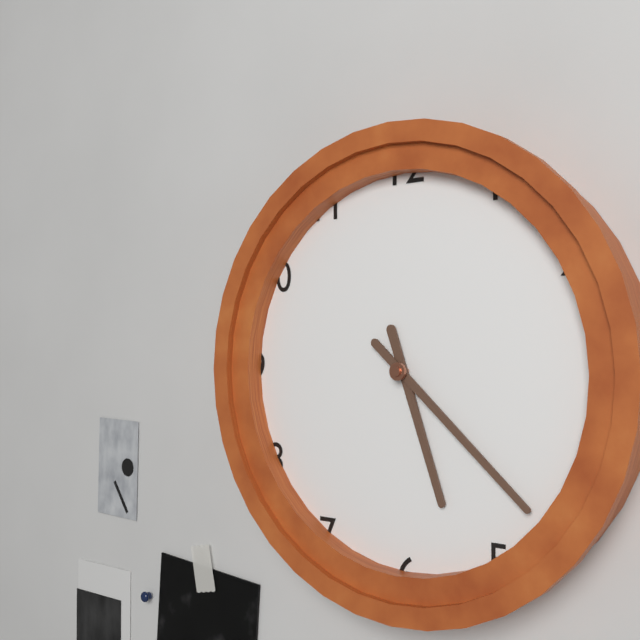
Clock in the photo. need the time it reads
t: 5:22
